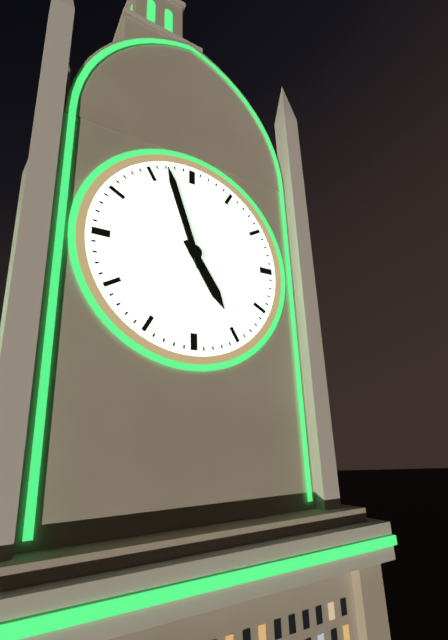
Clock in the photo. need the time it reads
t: 4:57
